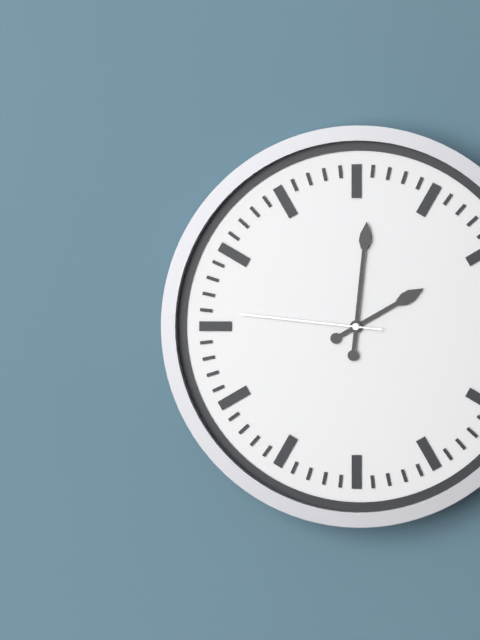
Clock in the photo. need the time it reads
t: 2:01:46
